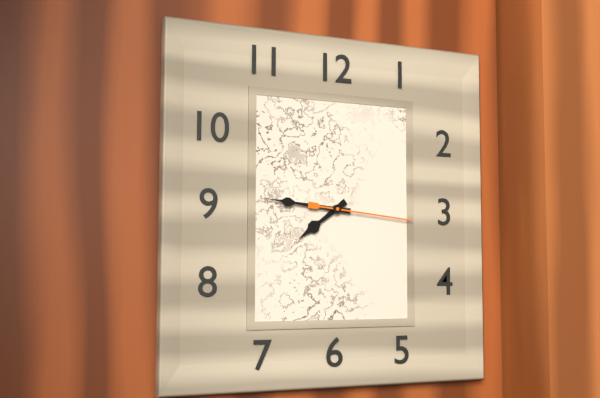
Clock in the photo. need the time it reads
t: 7:46:16
